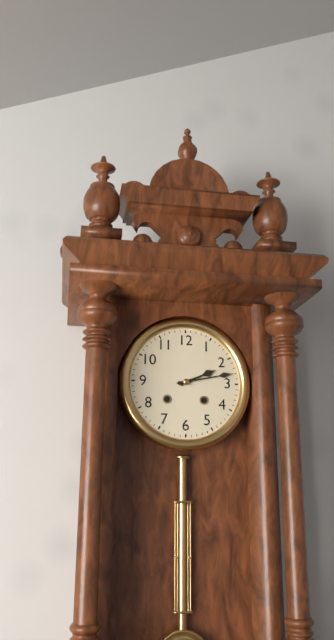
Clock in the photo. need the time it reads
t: 2:13
